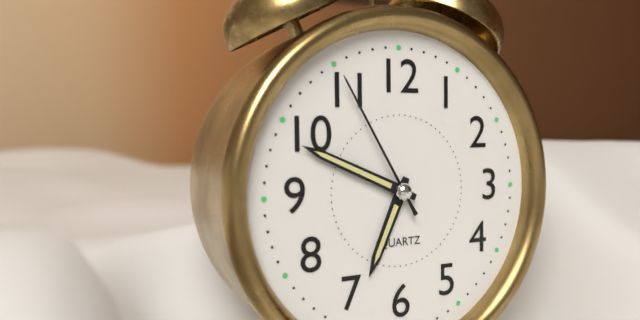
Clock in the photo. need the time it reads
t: 6:49:55
